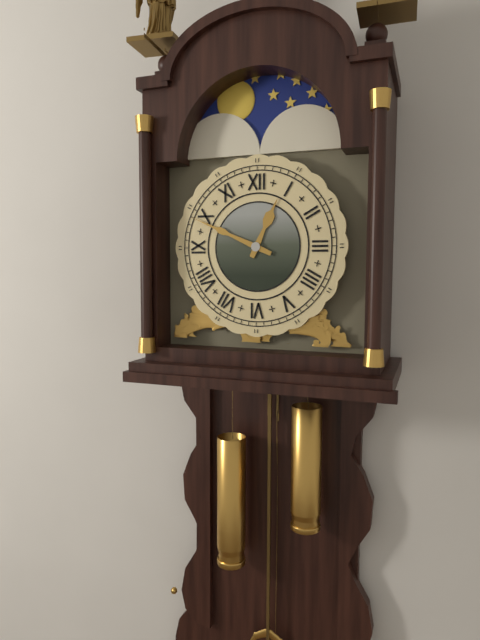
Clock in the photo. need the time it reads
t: 12:49
